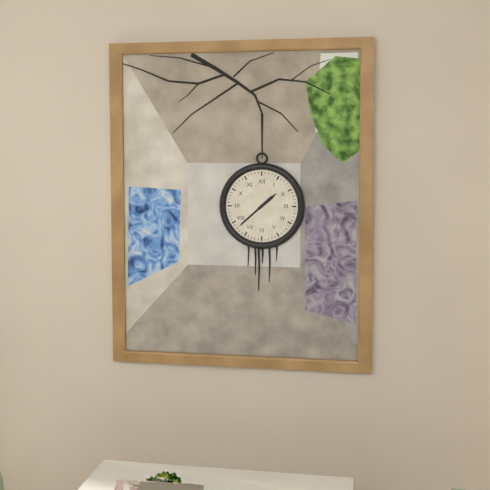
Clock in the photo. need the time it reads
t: 1:38
